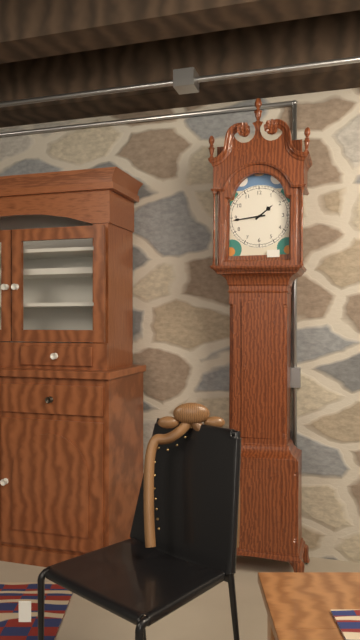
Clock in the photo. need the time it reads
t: 1:44
